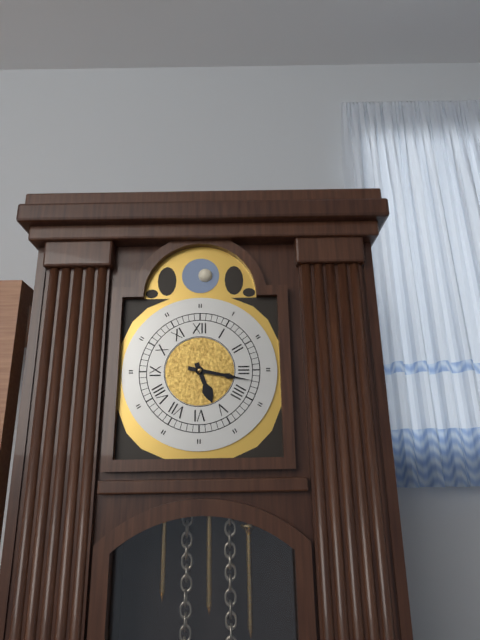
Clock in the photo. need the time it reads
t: 5:17
